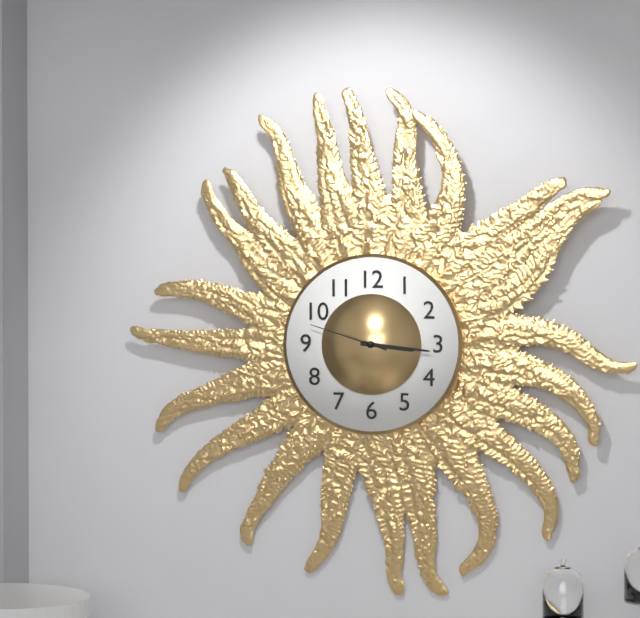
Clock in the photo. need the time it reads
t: 3:16:48
